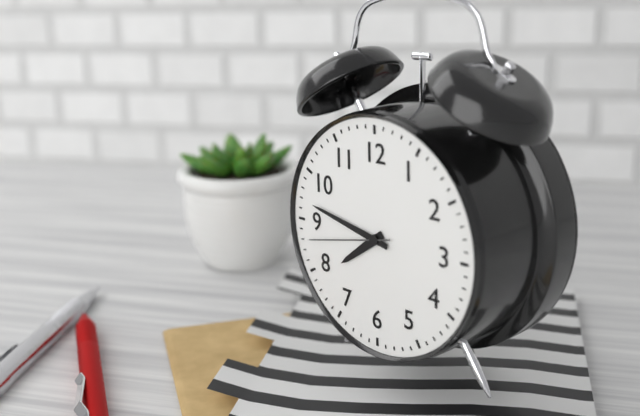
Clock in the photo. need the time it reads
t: 7:47:43
